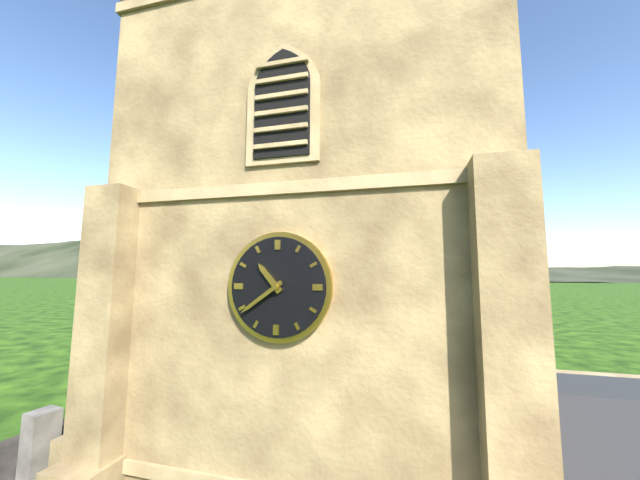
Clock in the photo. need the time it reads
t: 10:39
